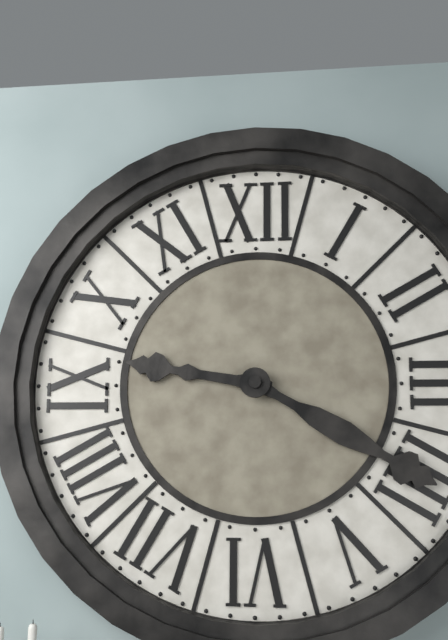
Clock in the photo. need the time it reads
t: 9:20
